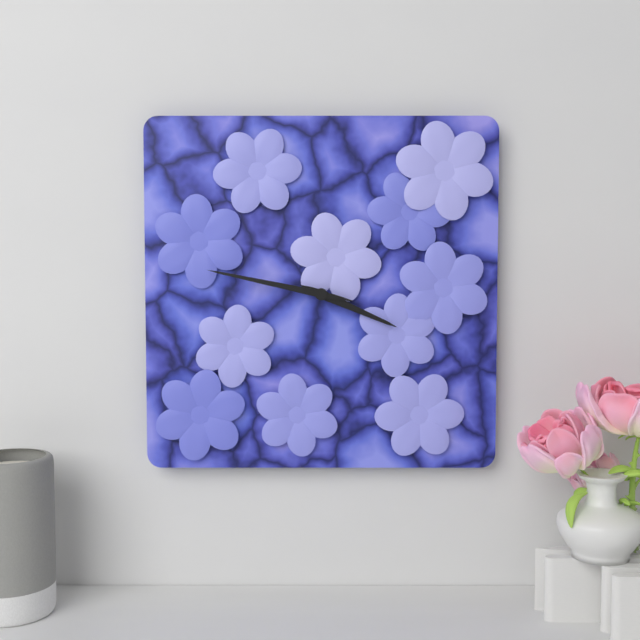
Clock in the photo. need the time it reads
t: 3:47
